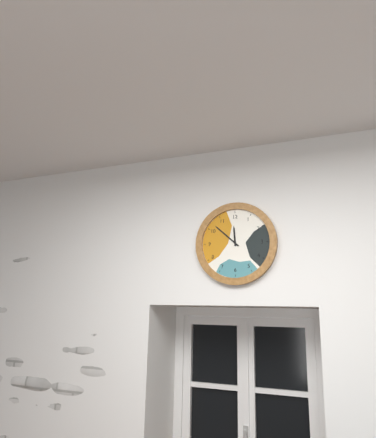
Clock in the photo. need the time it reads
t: 11:52
